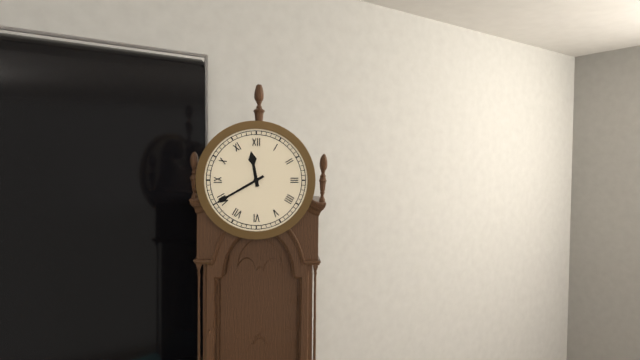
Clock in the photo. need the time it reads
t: 11:40
